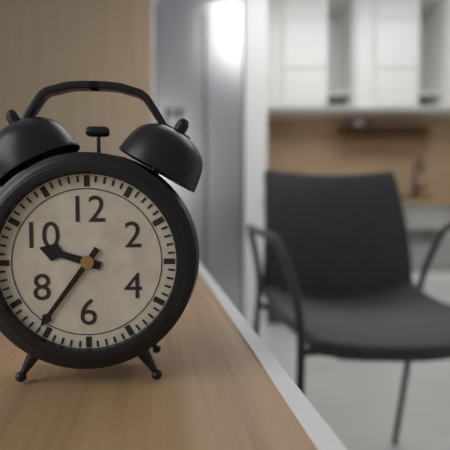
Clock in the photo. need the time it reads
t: 9:36
